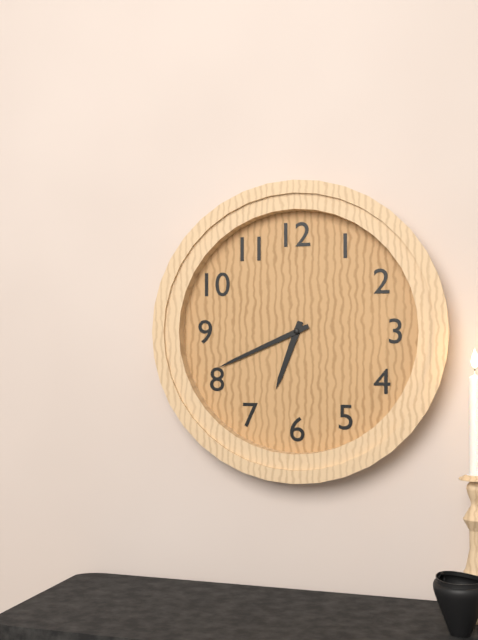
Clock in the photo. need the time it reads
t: 6:41
